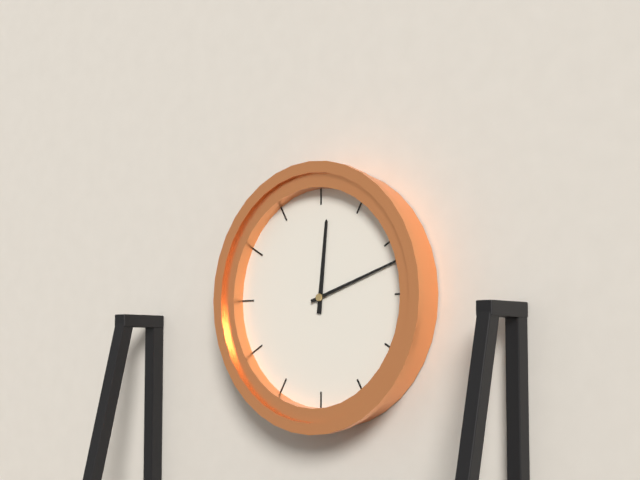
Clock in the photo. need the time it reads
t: 12:12
